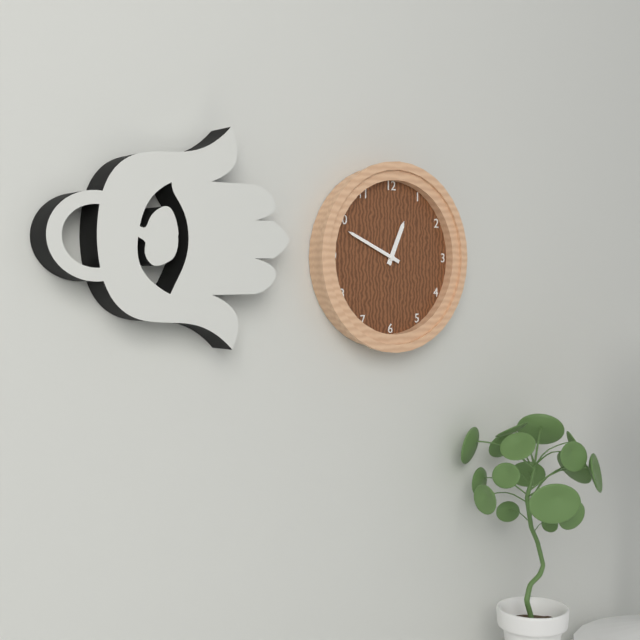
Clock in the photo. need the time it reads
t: 12:49
